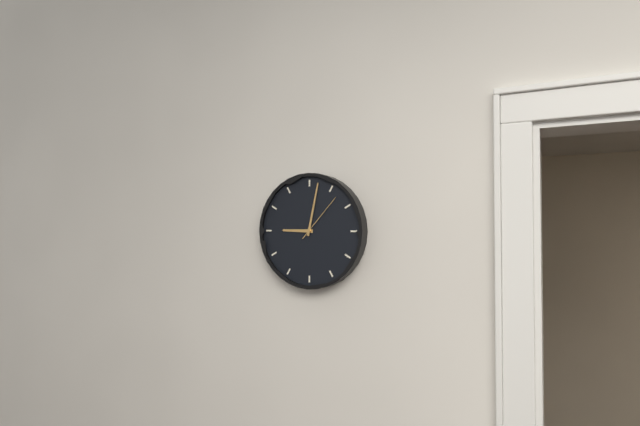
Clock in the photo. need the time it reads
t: 9:02:07
